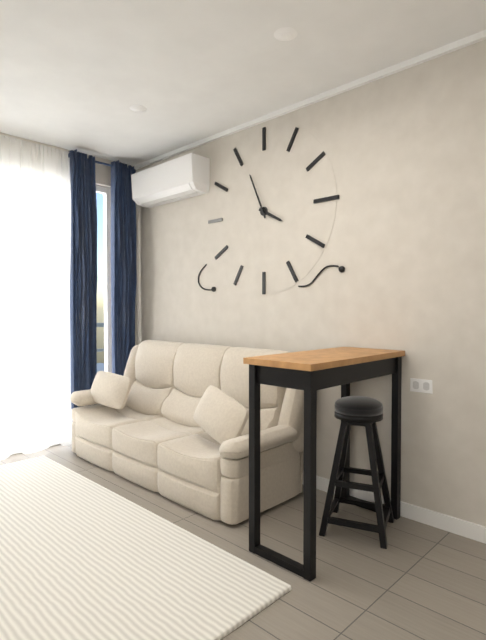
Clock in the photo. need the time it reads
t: 3:56
